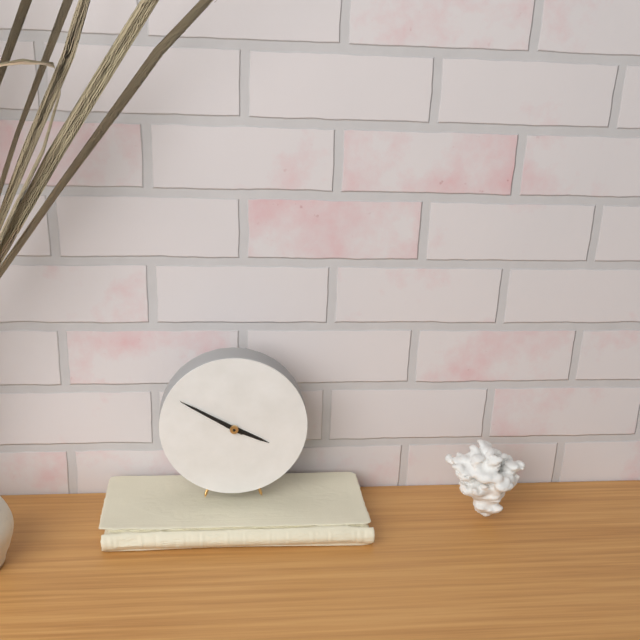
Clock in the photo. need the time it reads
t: 3:50
